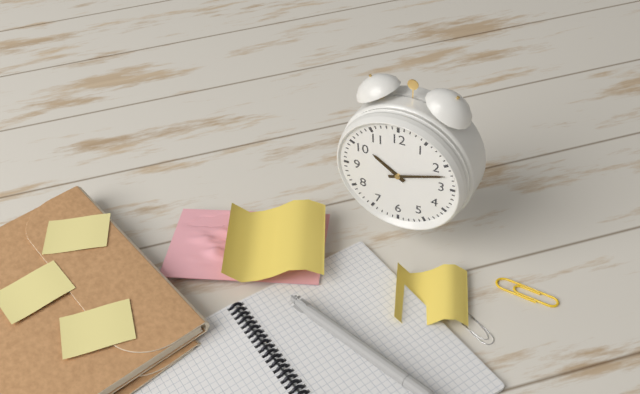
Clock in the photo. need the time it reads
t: 10:12
